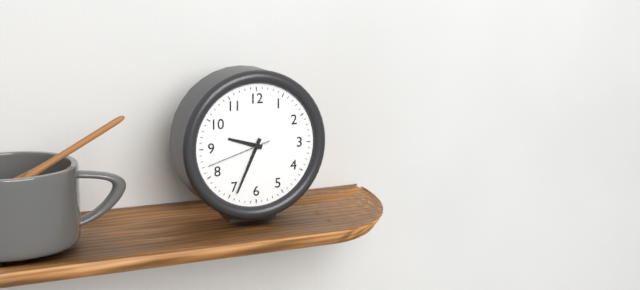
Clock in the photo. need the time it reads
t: 9:34:42
